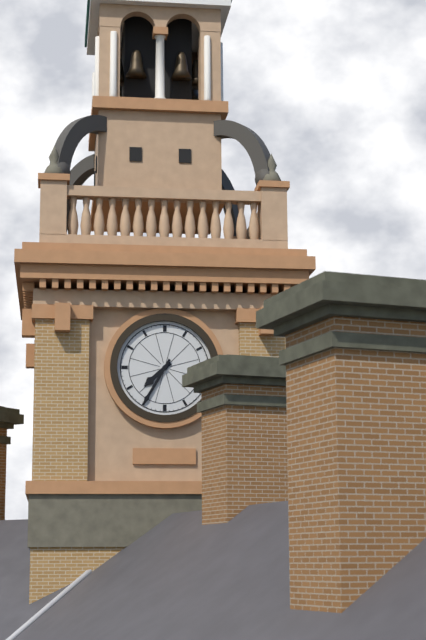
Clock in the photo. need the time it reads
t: 7:35
